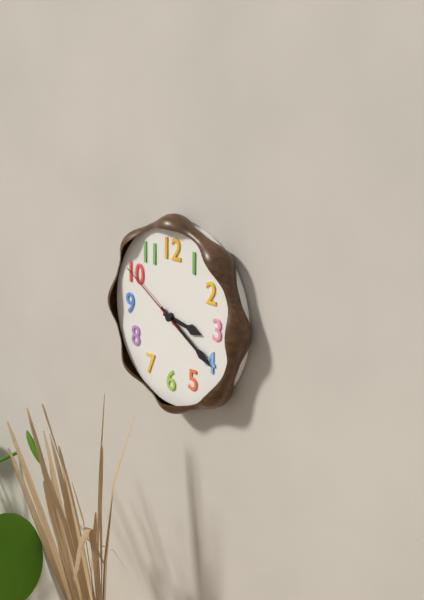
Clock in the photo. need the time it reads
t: 3:20:50
